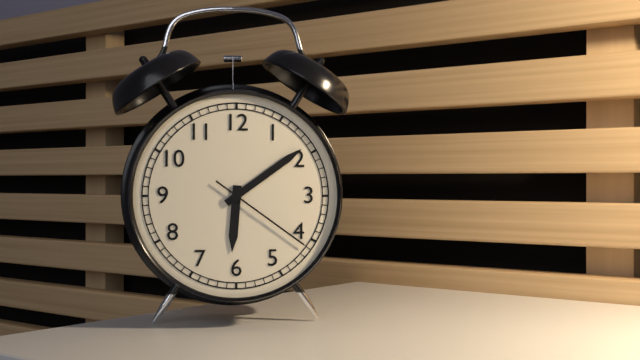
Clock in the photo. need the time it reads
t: 6:09:21
